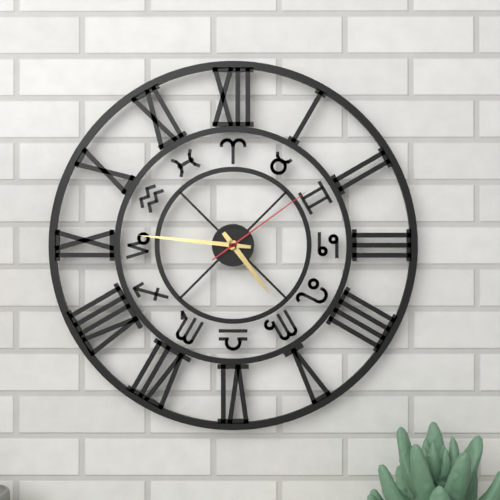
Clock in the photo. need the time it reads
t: 4:46:09
